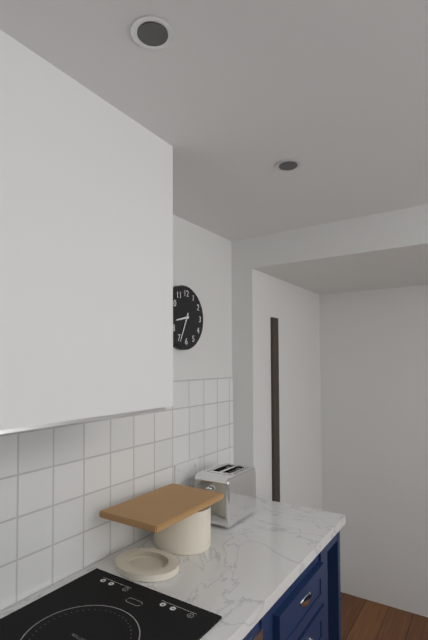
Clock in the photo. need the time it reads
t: 8:34
